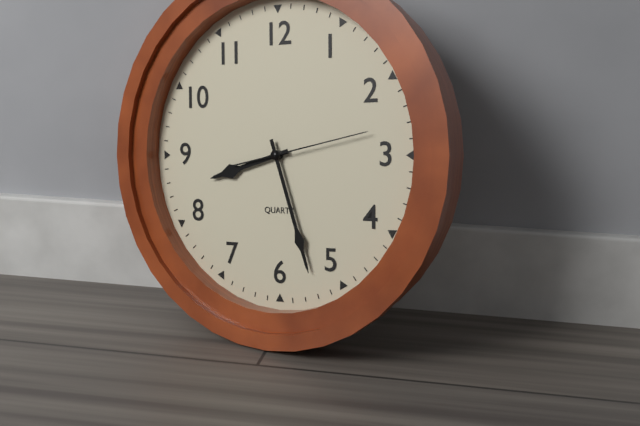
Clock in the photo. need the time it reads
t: 8:27:13
